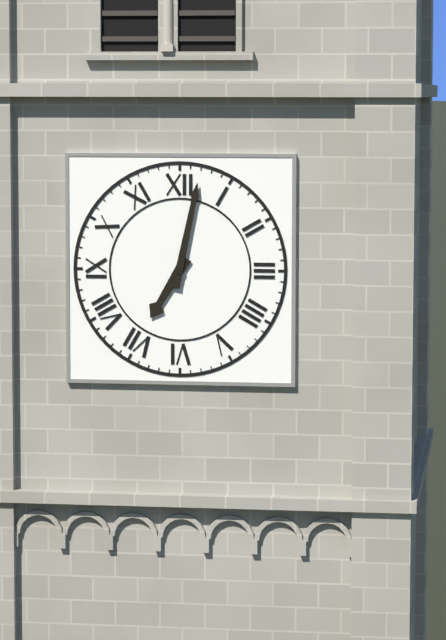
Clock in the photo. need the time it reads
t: 7:02
